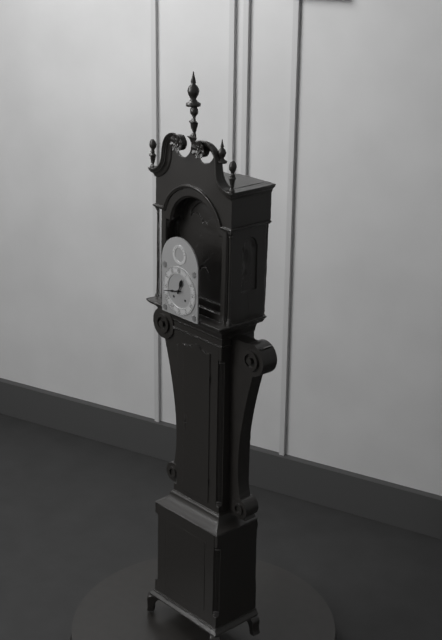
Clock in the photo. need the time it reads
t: 12:43
